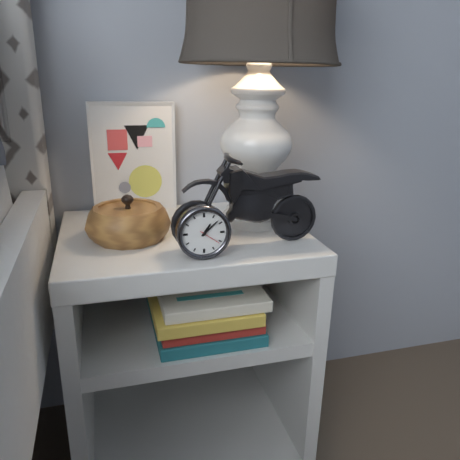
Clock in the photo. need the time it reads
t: 1:08
